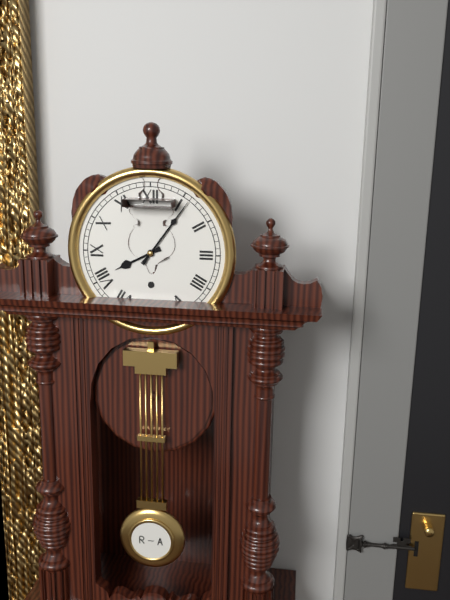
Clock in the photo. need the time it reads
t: 8:06
